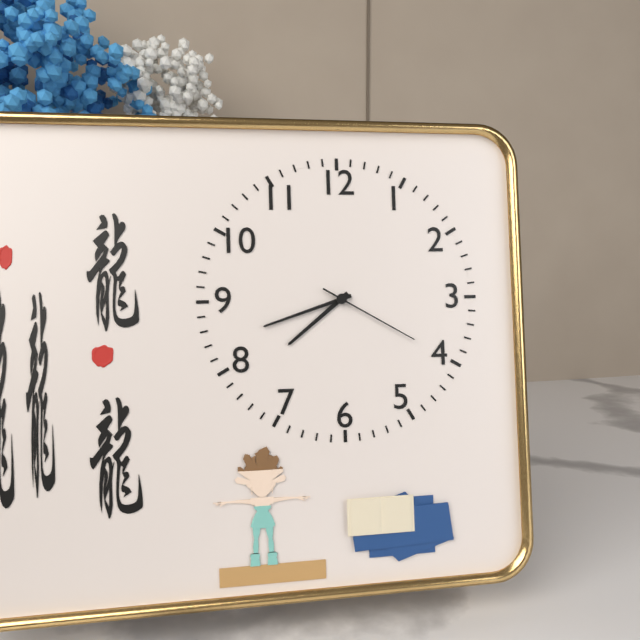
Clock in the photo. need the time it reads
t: 7:42:20
